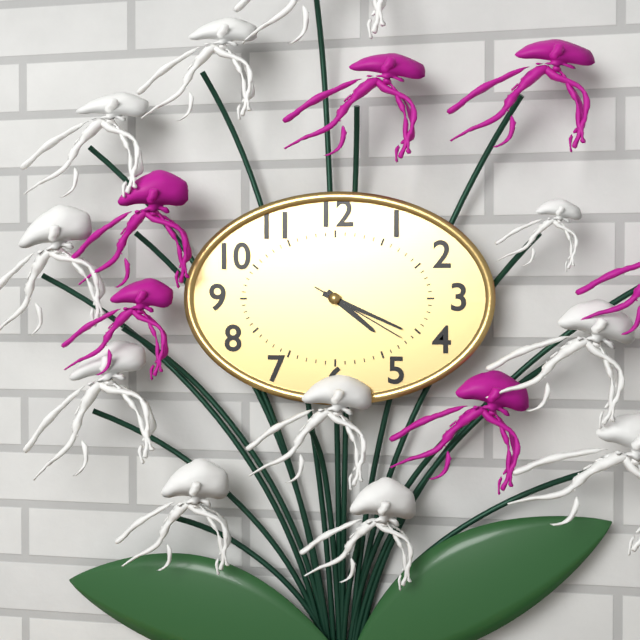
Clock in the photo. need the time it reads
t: 4:19:20
